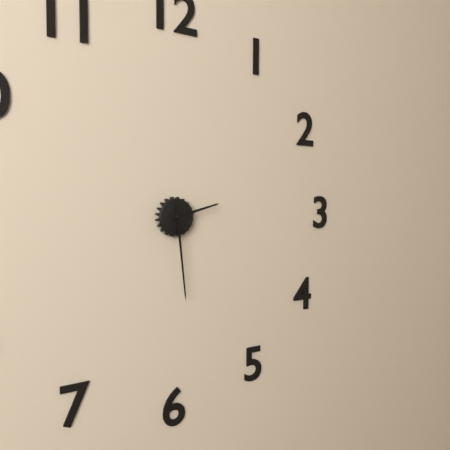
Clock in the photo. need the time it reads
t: 2:29
